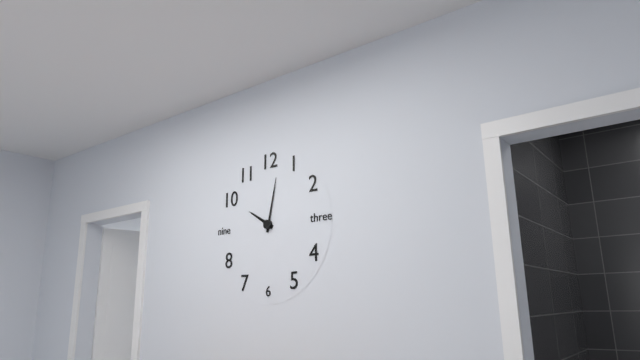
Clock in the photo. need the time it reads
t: 10:02
